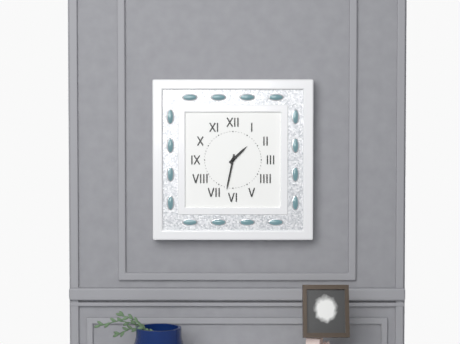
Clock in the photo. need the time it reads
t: 1:32
